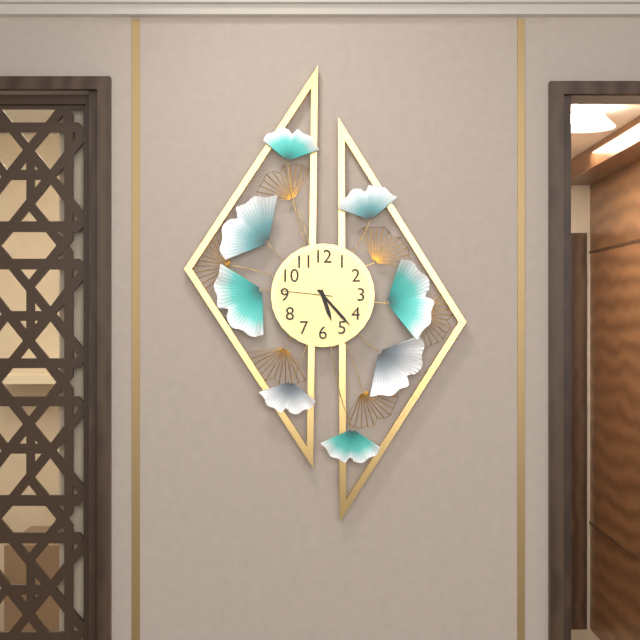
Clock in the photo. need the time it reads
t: 5:23:46
